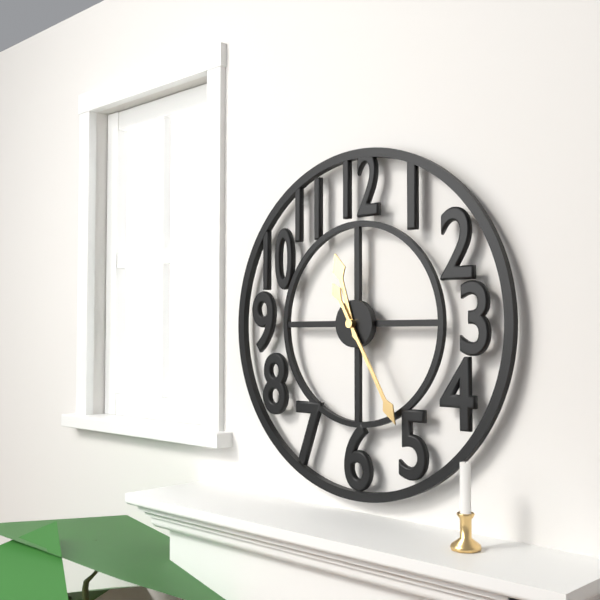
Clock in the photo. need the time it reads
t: 11:25
